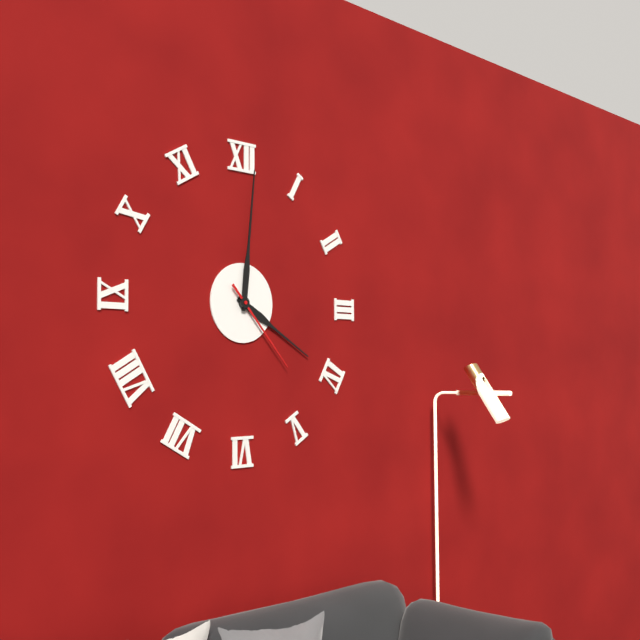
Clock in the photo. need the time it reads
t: 4:01:23
